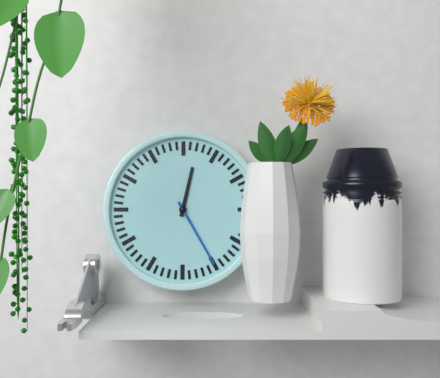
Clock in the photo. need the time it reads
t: 12:25
